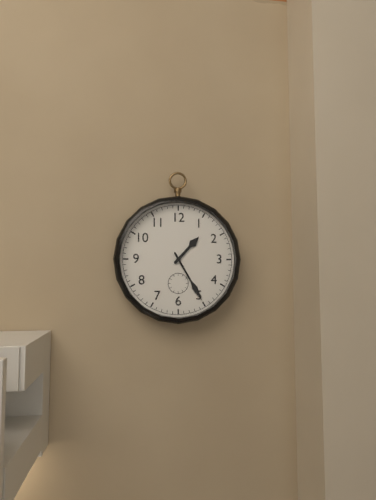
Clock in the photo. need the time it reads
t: 1:25
